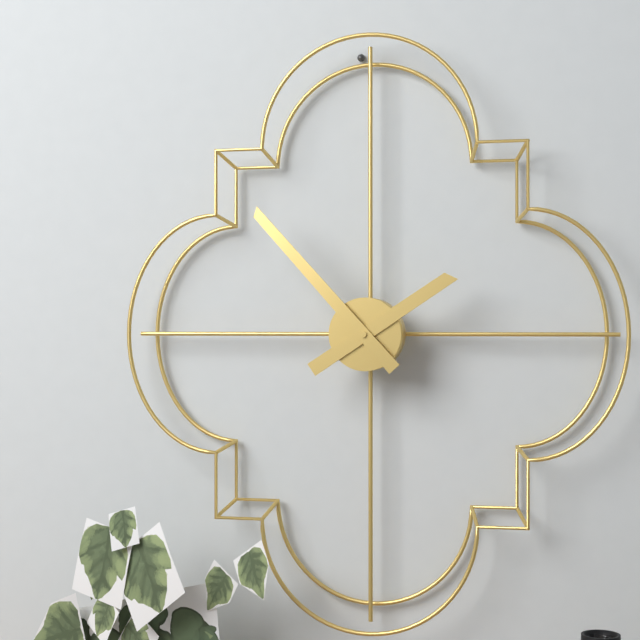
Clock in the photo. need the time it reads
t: 1:53
